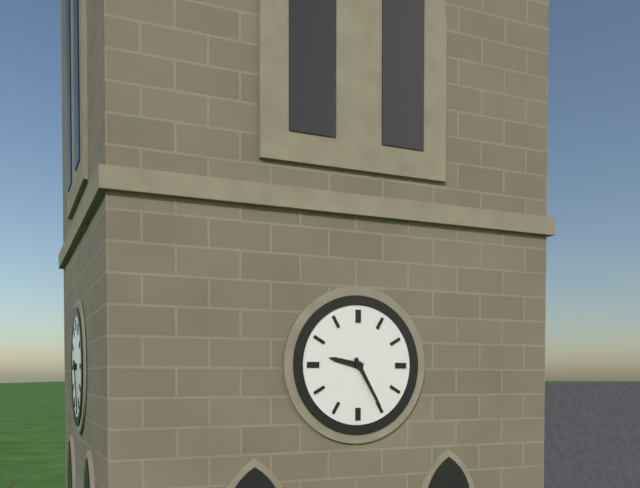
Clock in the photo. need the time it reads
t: 9:25
